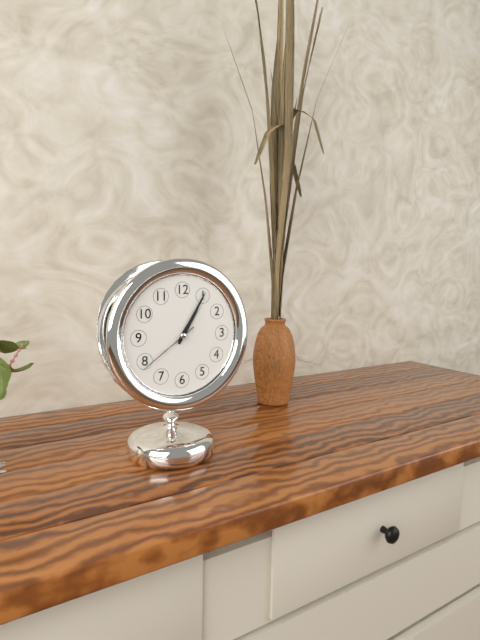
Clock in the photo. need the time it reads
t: 1:05:39
